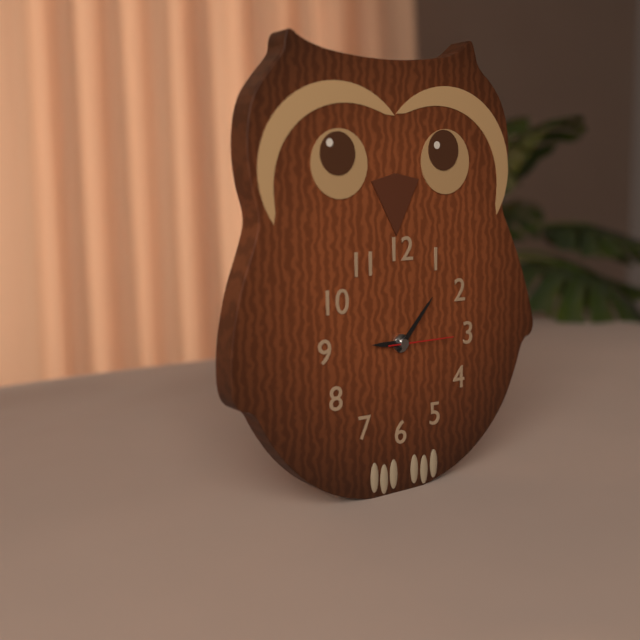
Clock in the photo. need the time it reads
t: 9:07:15
